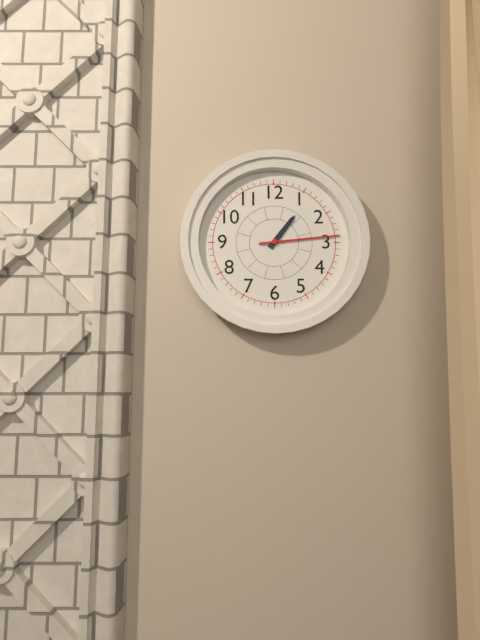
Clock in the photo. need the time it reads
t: 1:14
